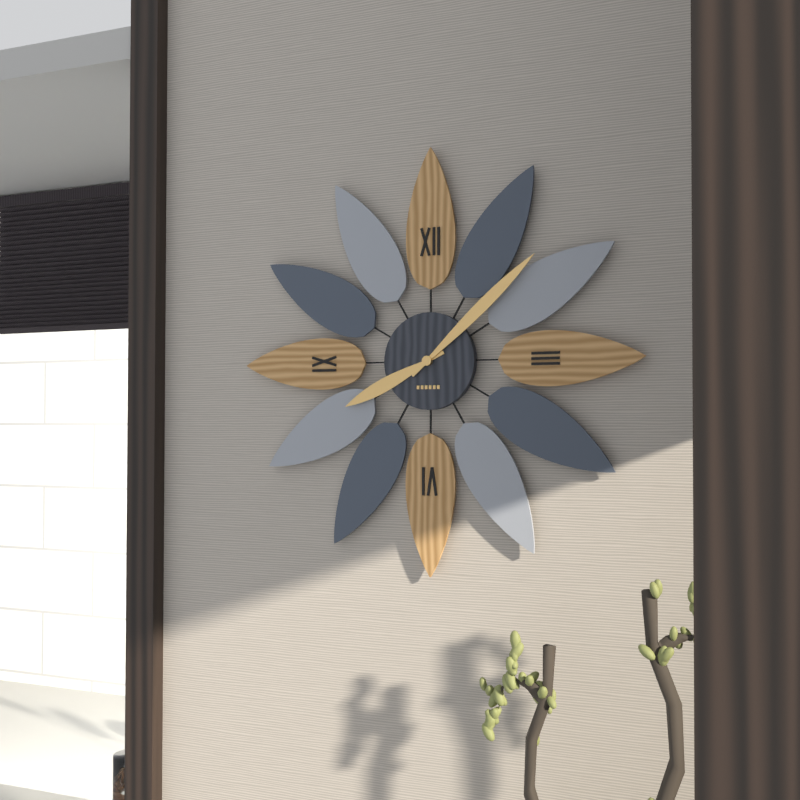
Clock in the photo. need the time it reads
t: 8:08
